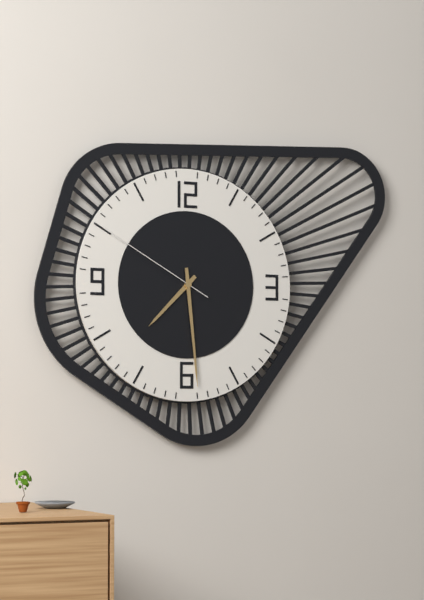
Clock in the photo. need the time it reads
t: 7:29:50
